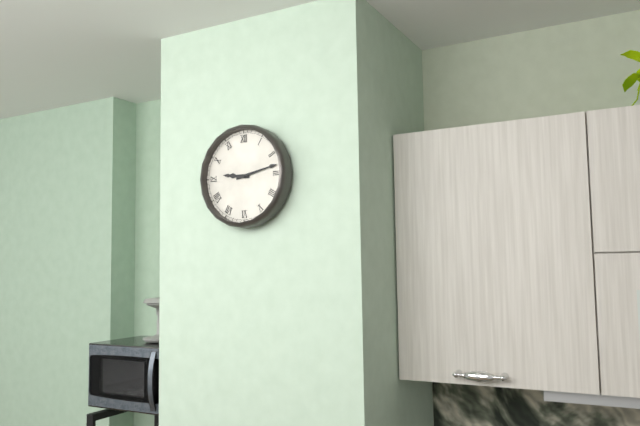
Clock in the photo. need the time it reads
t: 9:13
